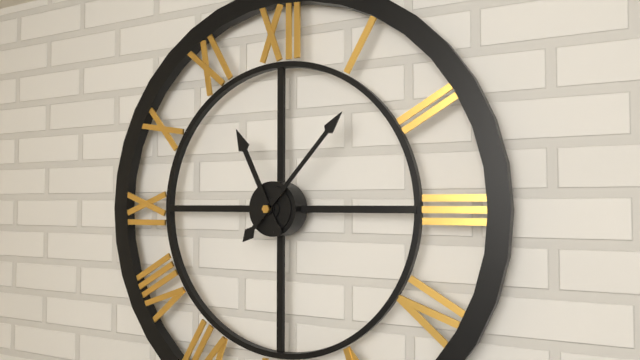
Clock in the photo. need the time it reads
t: 11:07
